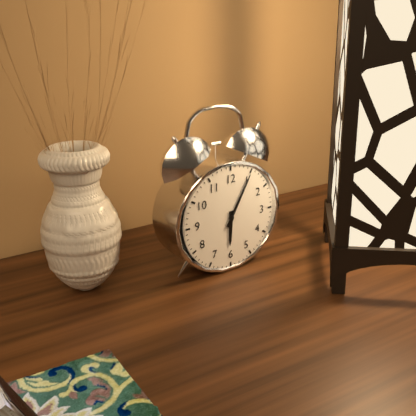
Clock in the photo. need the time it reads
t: 6:05
